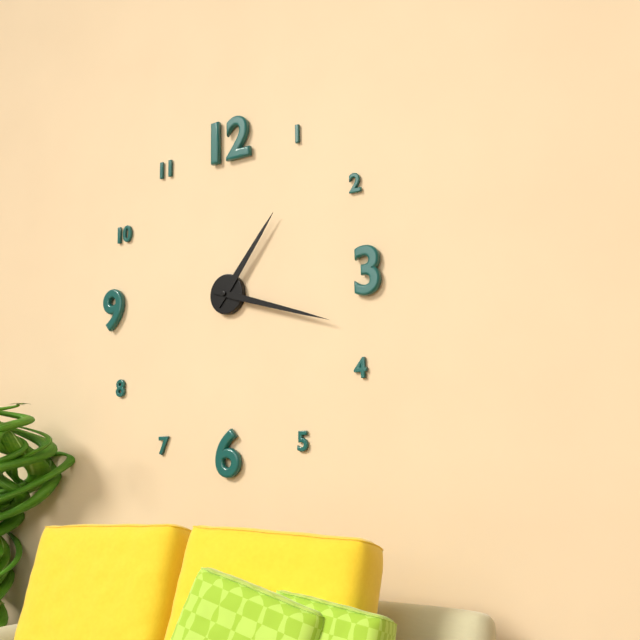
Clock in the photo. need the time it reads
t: 1:18
